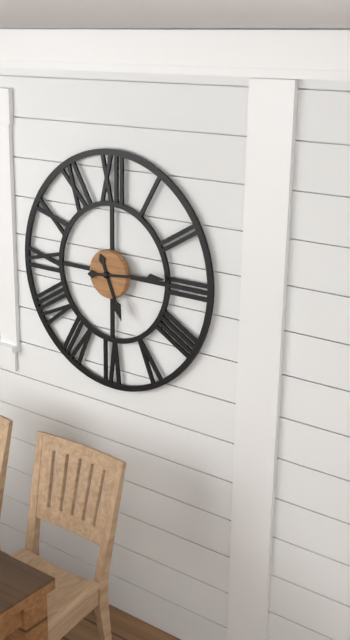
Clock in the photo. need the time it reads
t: 5:14
